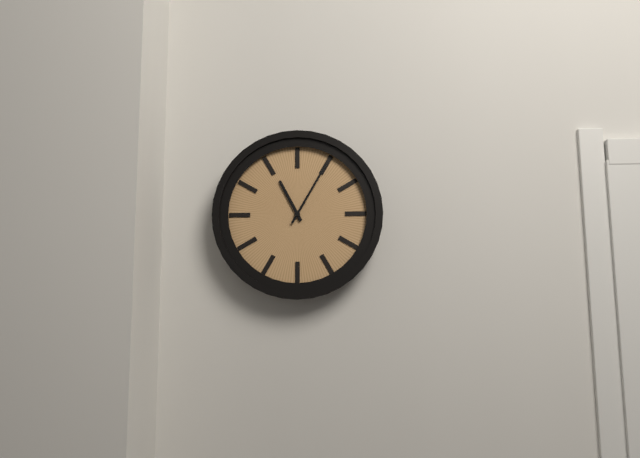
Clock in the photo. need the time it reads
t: 11:05
